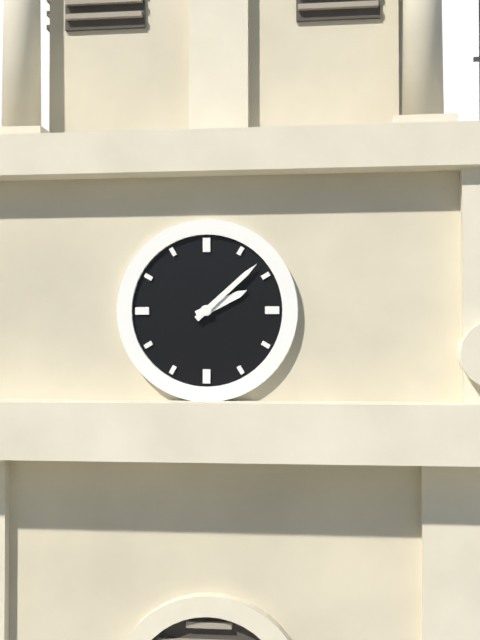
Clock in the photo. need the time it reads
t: 2:08
